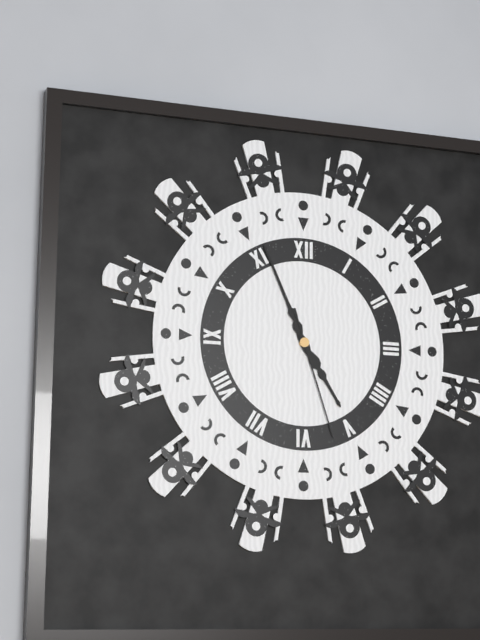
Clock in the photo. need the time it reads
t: 4:56:27
